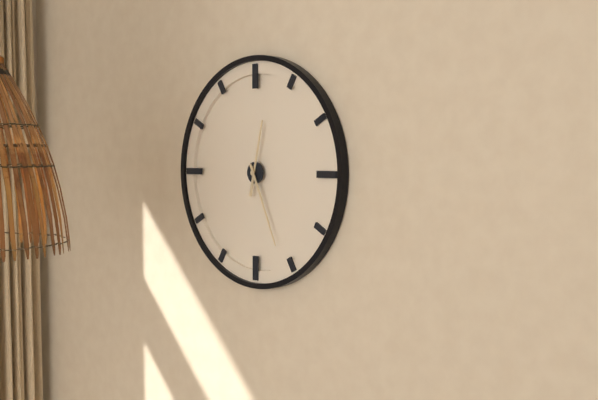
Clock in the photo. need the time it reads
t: 12:26
